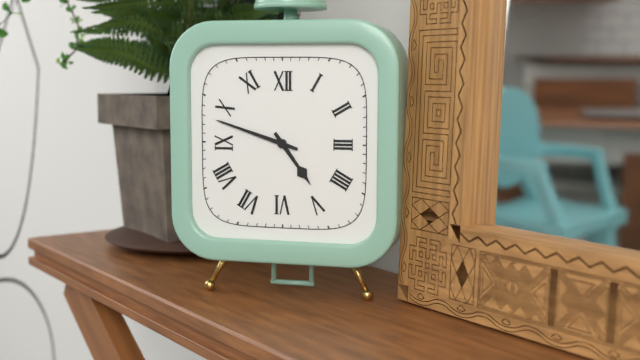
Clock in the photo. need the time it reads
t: 4:48
